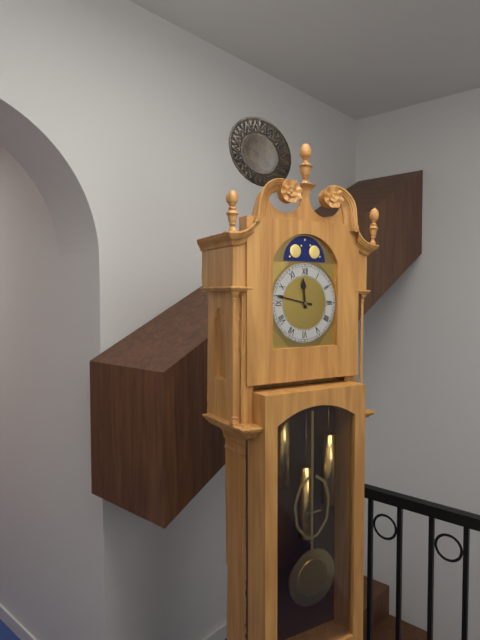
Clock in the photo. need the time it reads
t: 11:47
